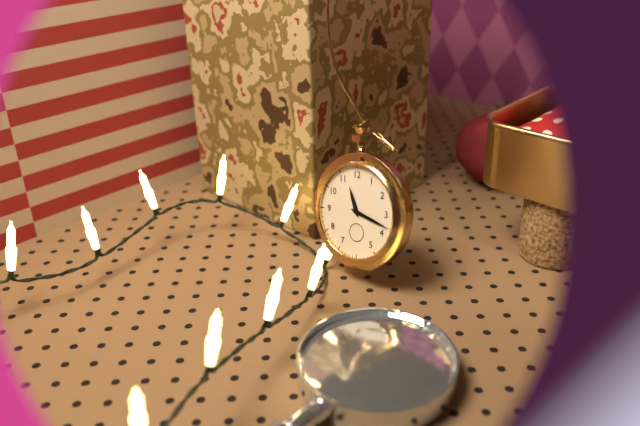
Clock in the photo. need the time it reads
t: 11:18
